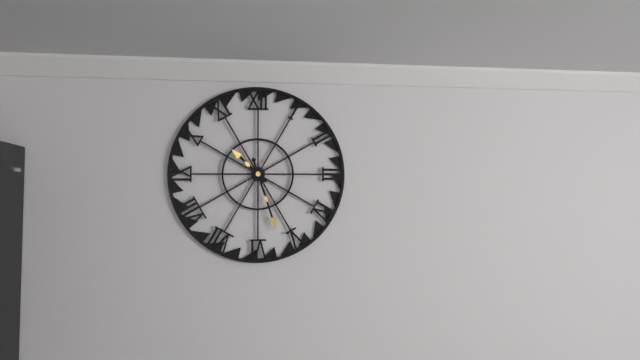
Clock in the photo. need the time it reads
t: 10:27
